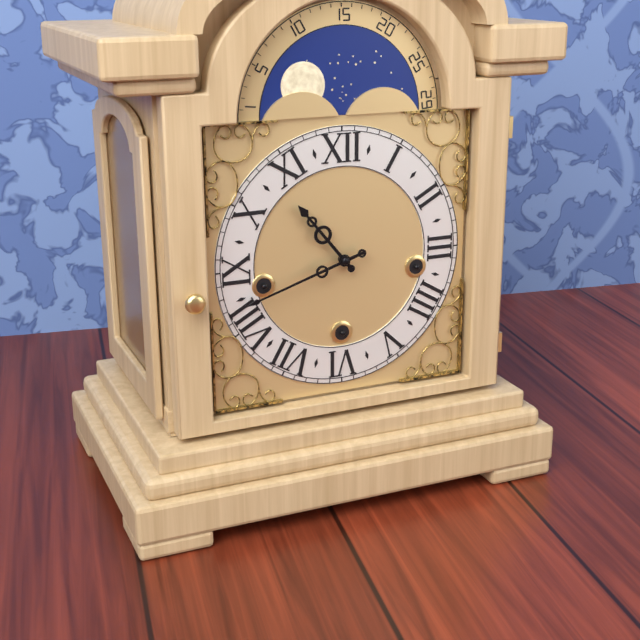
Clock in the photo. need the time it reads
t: 10:42
